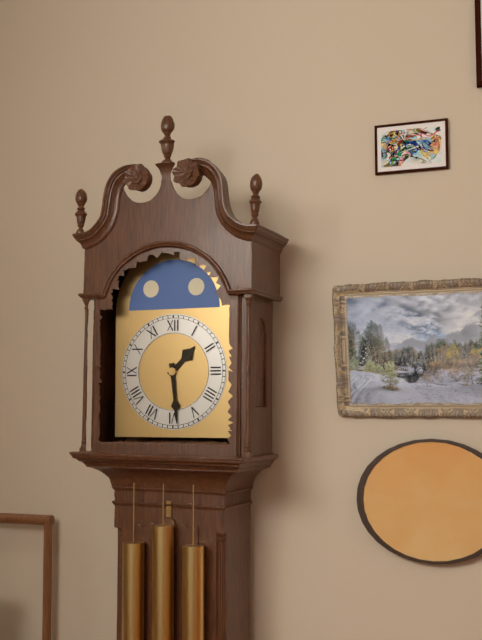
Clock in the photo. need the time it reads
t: 1:29
